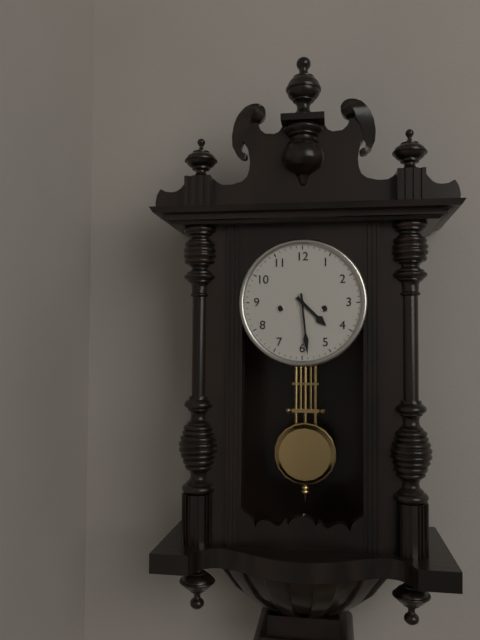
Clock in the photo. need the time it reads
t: 4:29
